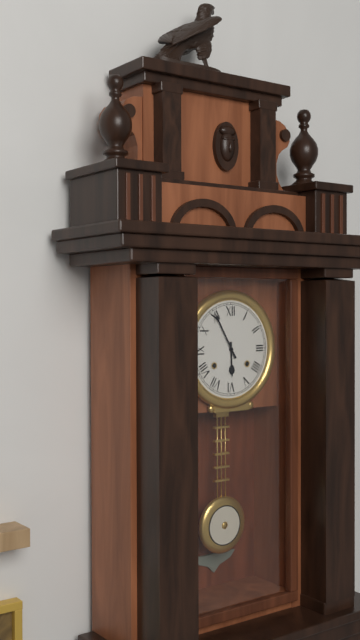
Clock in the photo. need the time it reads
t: 5:55
